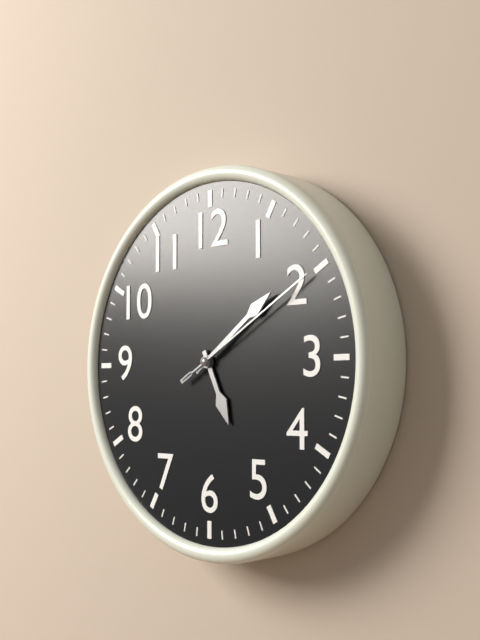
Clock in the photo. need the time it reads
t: 5:09:10
